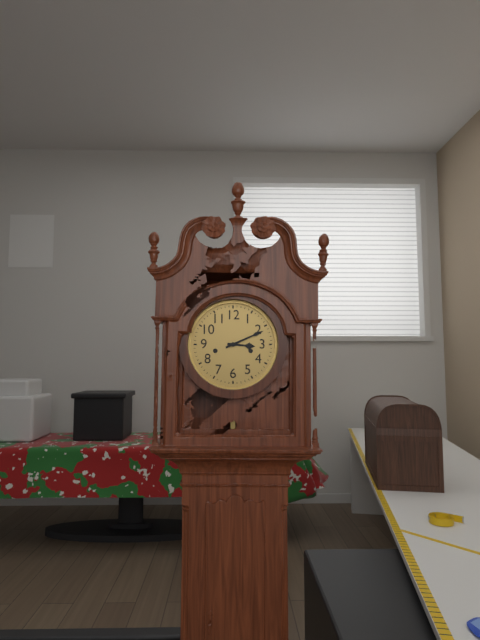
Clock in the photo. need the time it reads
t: 3:11
